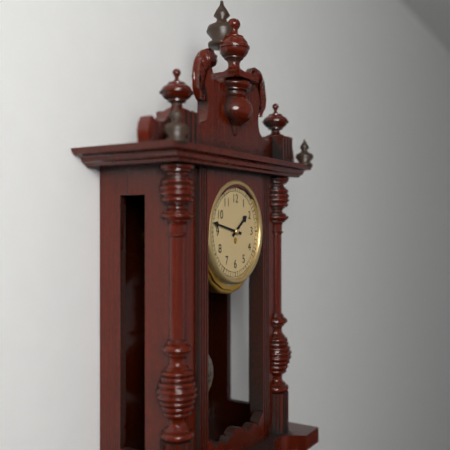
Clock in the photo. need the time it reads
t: 1:47
